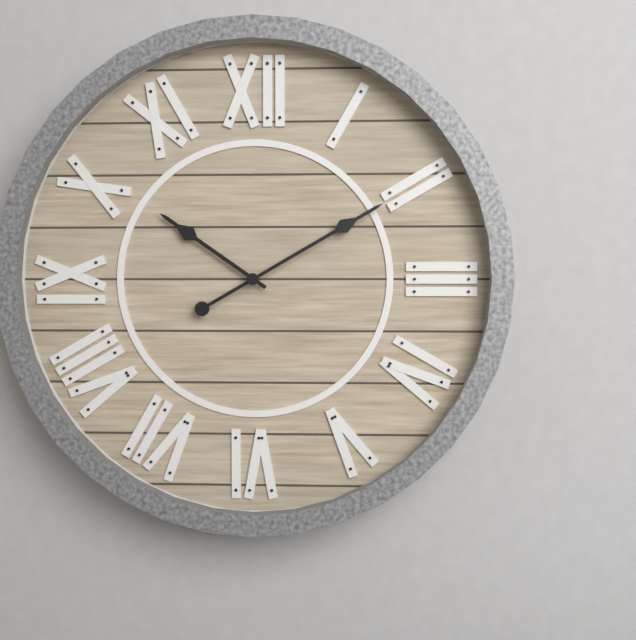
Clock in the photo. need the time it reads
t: 10:10
